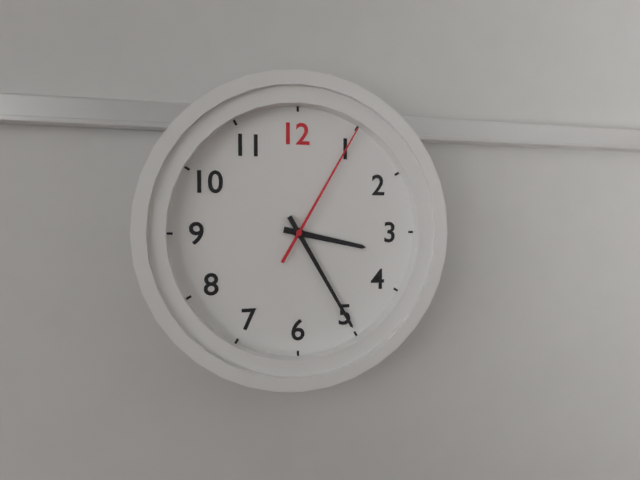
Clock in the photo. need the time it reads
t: 3:25:05
